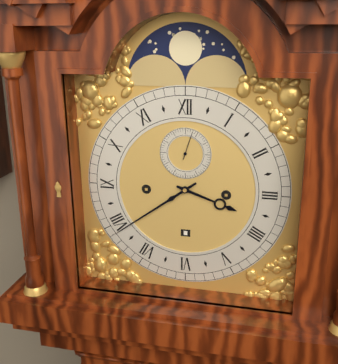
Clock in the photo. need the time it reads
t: 3:39
